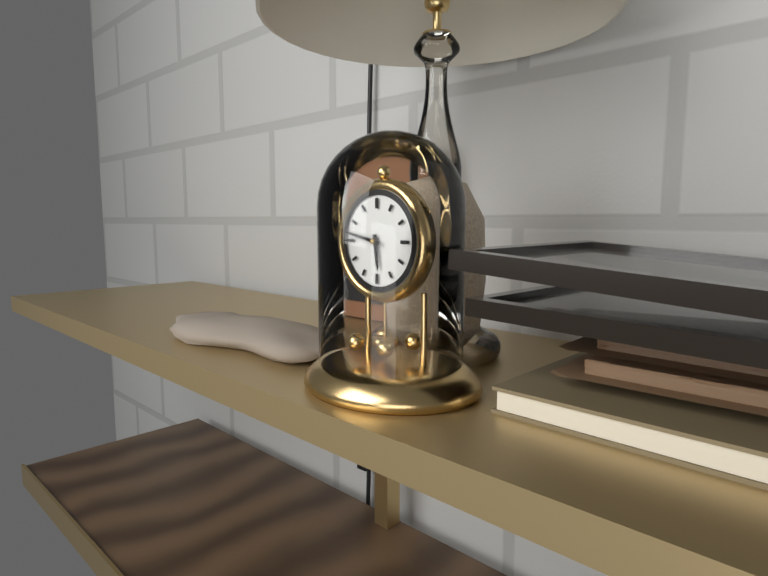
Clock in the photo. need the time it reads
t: 5:47
